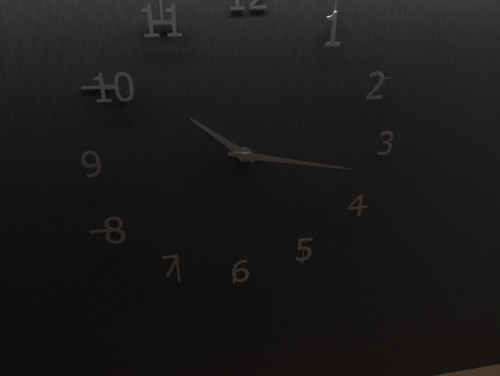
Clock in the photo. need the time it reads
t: 10:17
